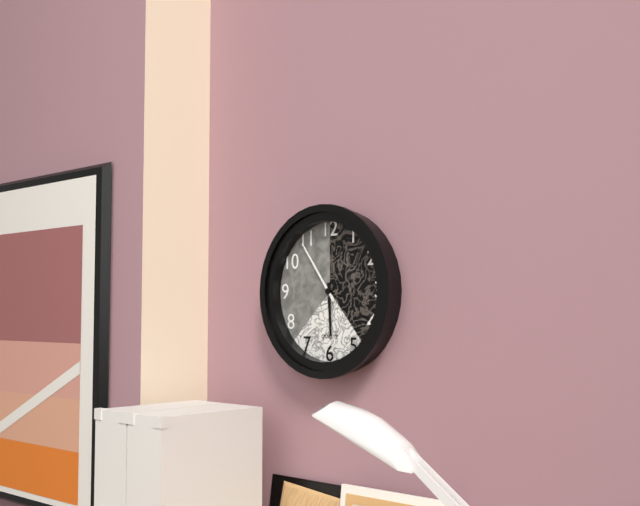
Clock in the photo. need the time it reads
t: 5:54
